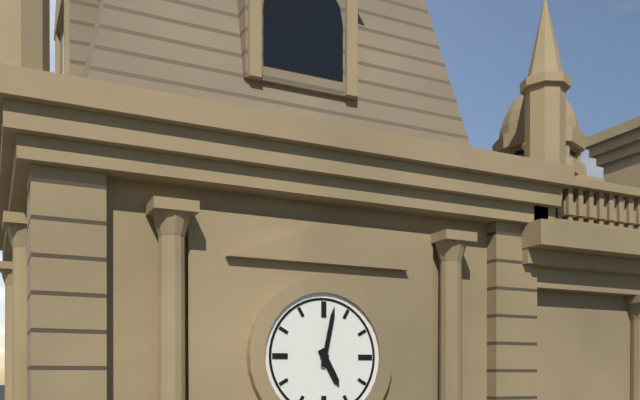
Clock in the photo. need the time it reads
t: 5:02
